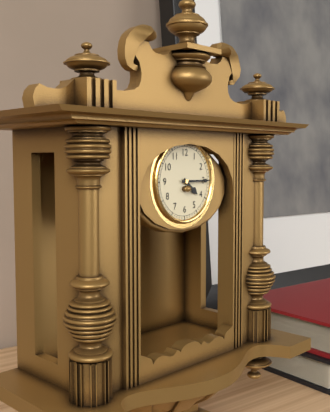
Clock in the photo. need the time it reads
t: 4:15
